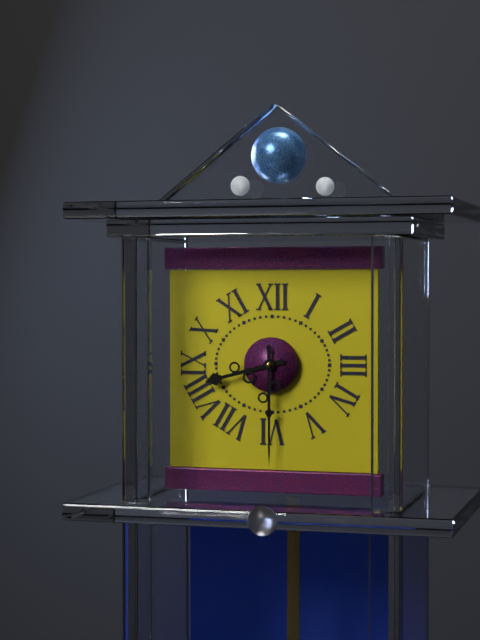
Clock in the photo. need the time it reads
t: 8:30
